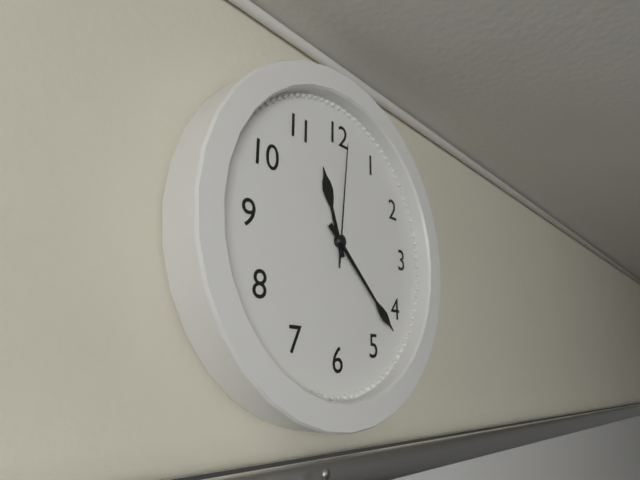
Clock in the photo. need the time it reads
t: 11:22:01
